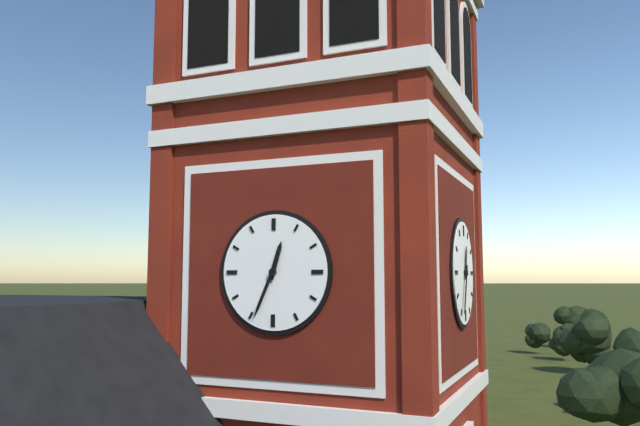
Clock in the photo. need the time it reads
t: 12:34
